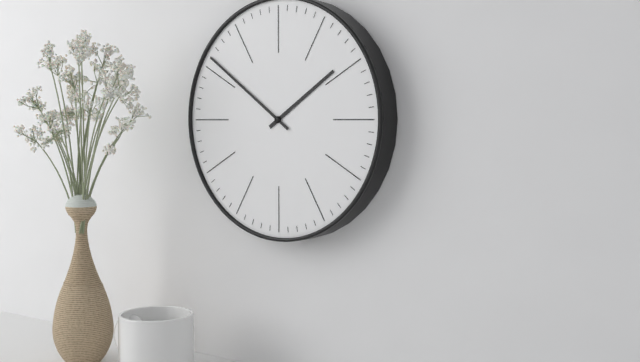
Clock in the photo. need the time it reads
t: 1:51
